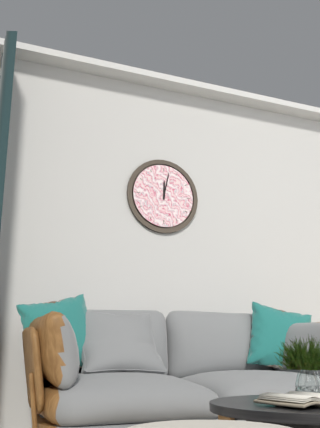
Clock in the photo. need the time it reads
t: 12:02
